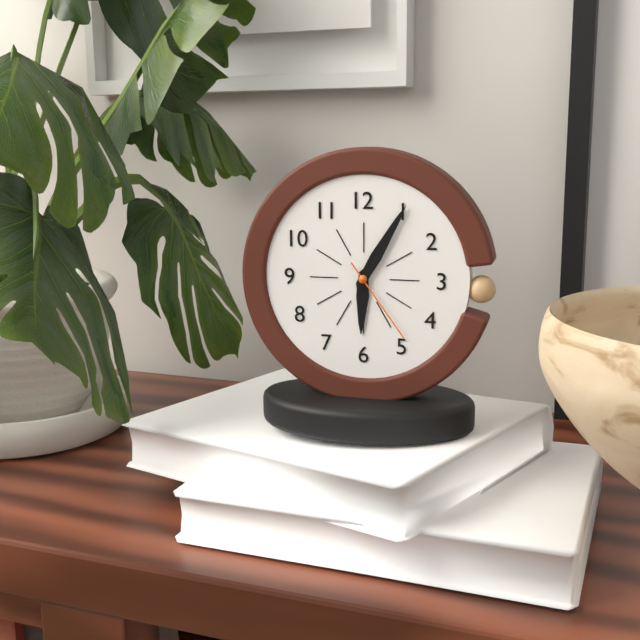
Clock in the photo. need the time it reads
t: 6:05:24
